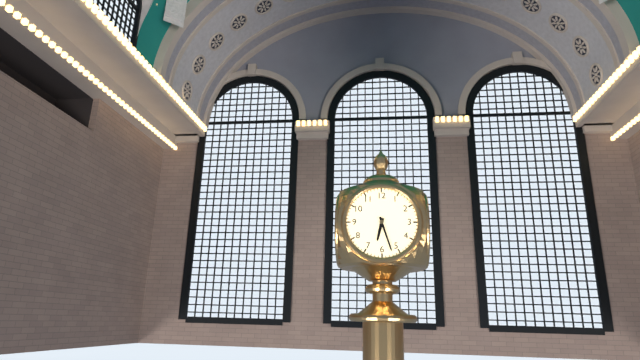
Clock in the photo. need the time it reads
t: 6:27
